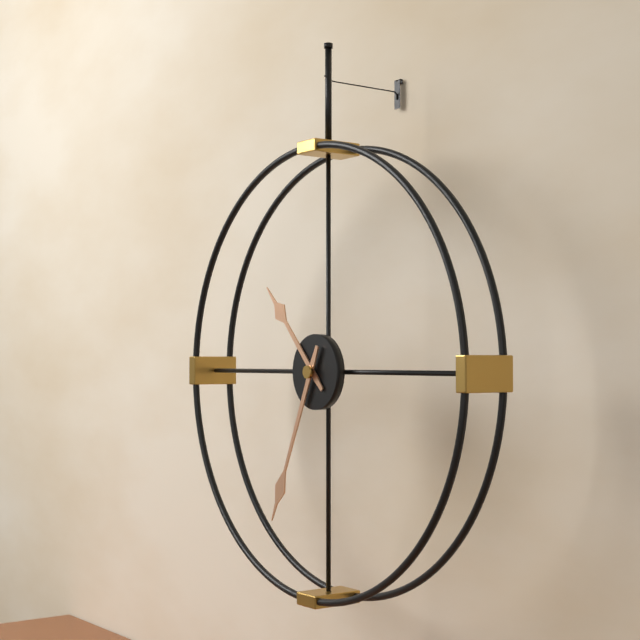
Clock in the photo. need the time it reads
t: 10:34
